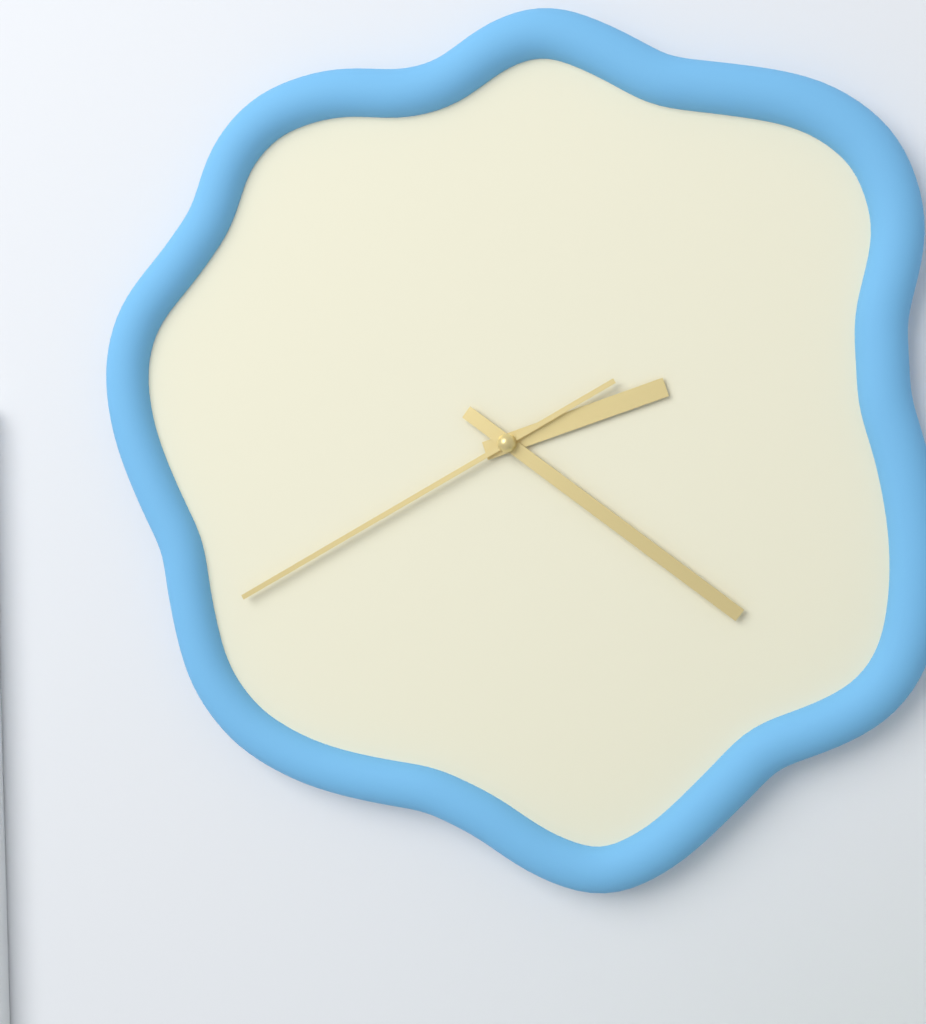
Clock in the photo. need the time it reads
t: 2:21:40
